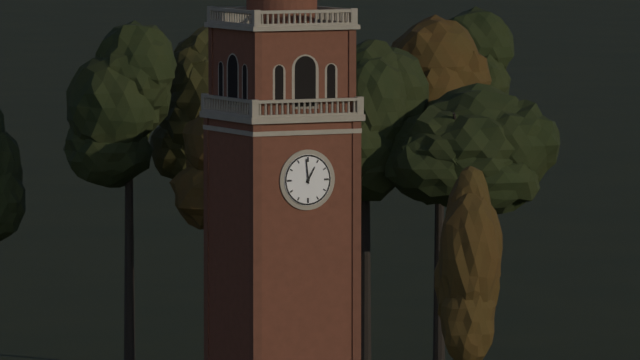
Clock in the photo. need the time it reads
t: 12:59
